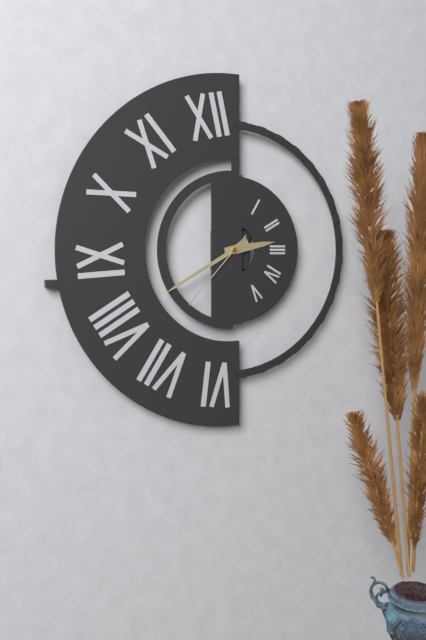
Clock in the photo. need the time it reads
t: 2:40:37
